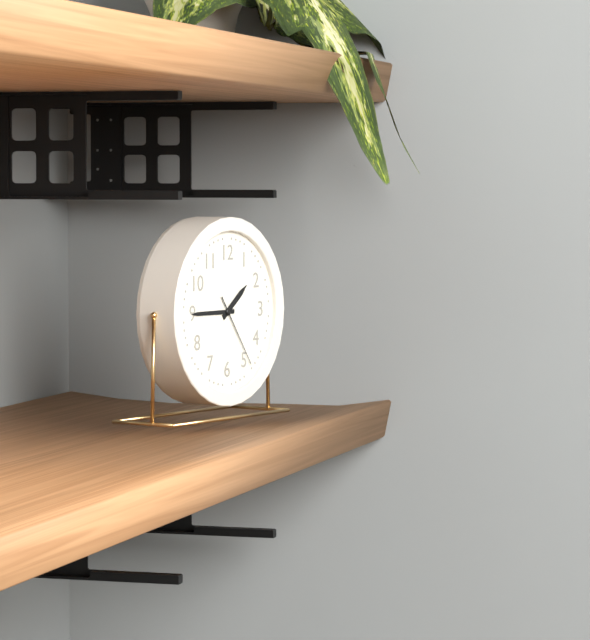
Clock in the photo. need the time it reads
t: 1:45:24
